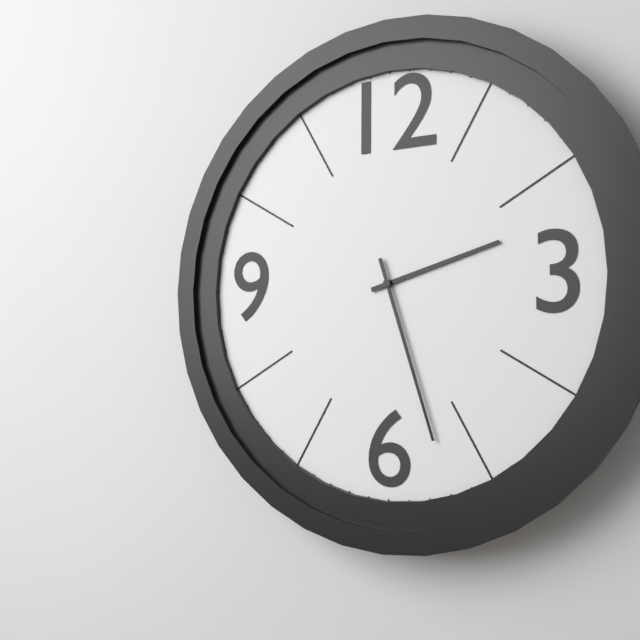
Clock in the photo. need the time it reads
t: 2:27
